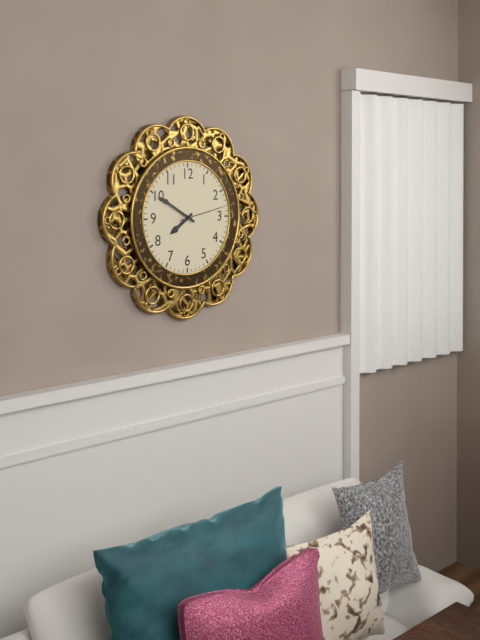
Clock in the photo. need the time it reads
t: 7:50:13
